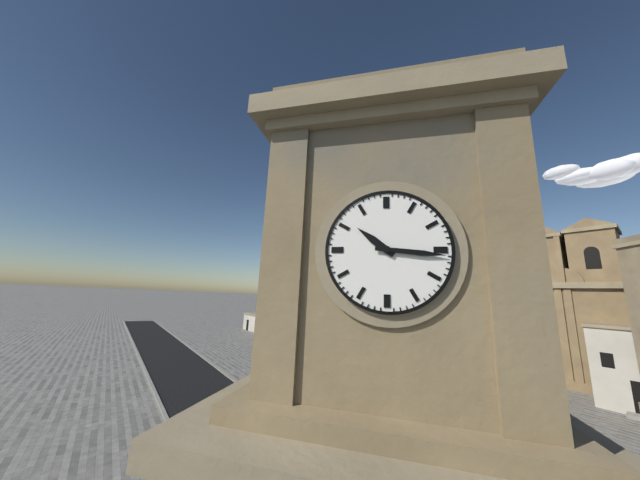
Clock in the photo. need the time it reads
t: 10:16
